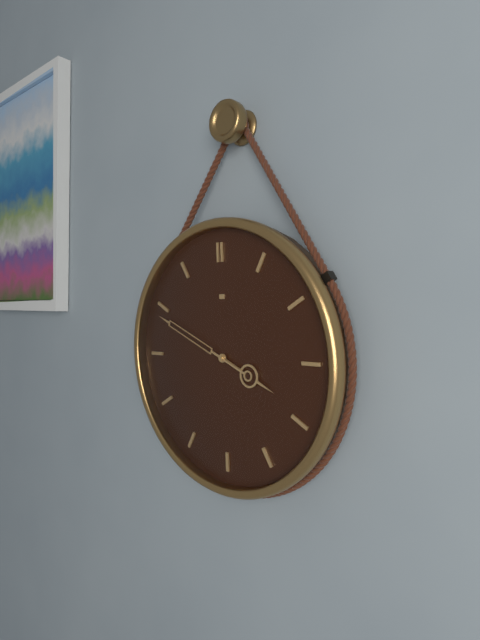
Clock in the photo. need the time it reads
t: 3:49
